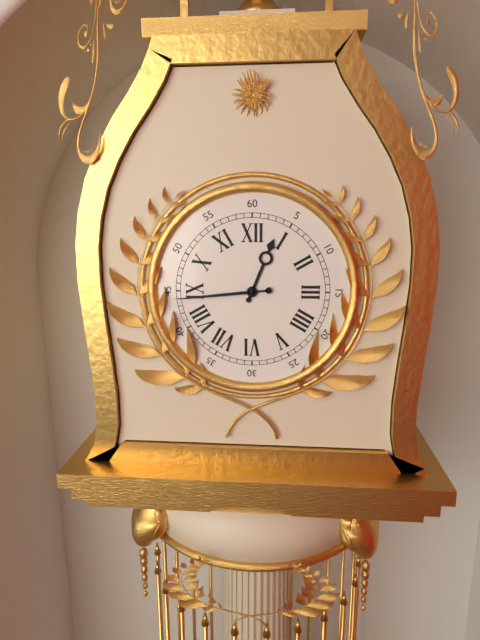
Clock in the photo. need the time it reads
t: 12:44
